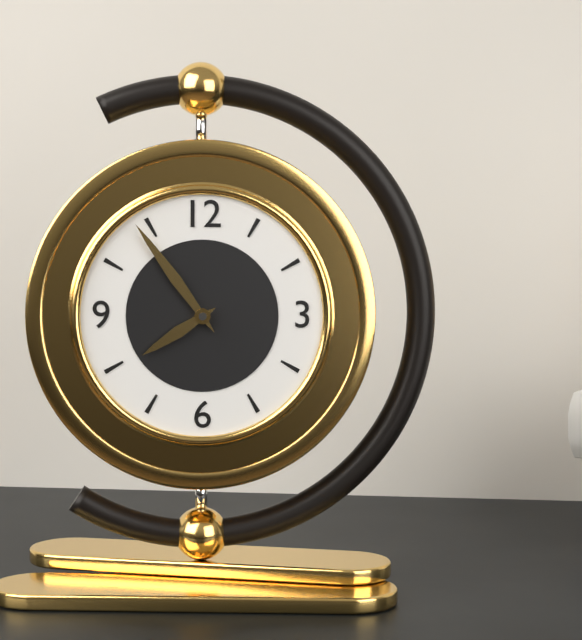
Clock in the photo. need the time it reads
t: 7:54
